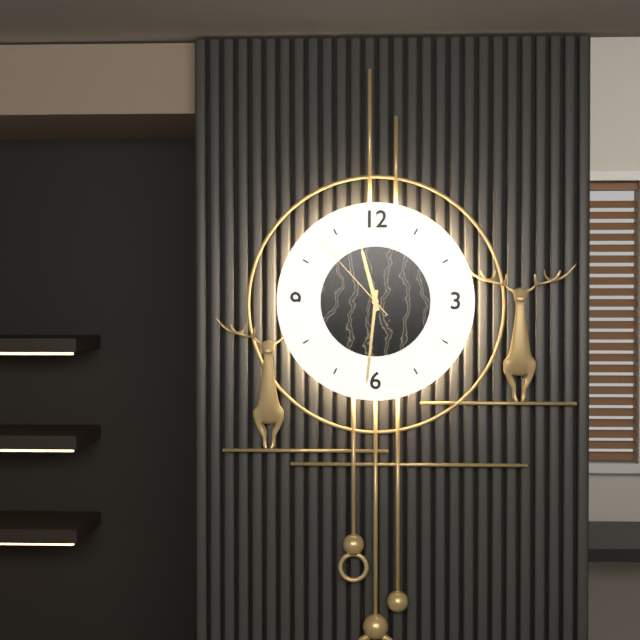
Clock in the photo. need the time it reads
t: 11:31:53
